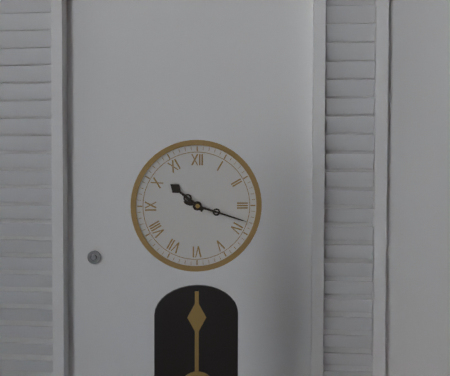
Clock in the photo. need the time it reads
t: 10:18
